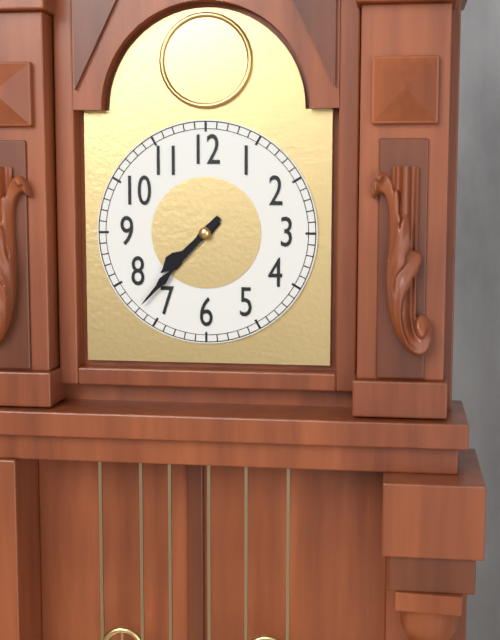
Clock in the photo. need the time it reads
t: 7:37
